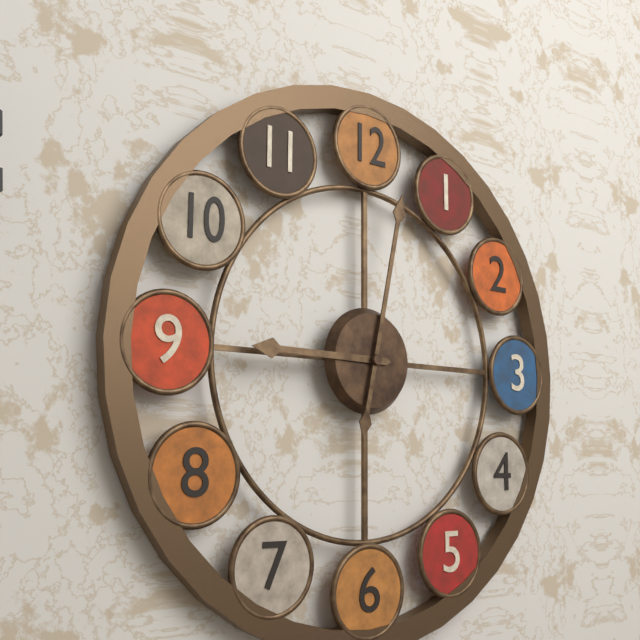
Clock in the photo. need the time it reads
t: 9:02
